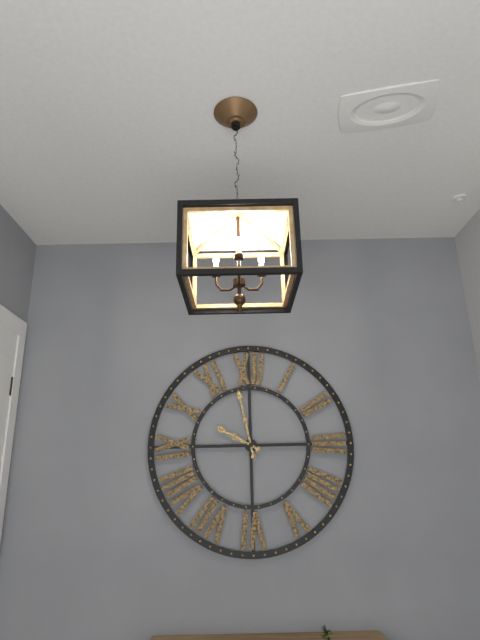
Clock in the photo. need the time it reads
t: 9:58
